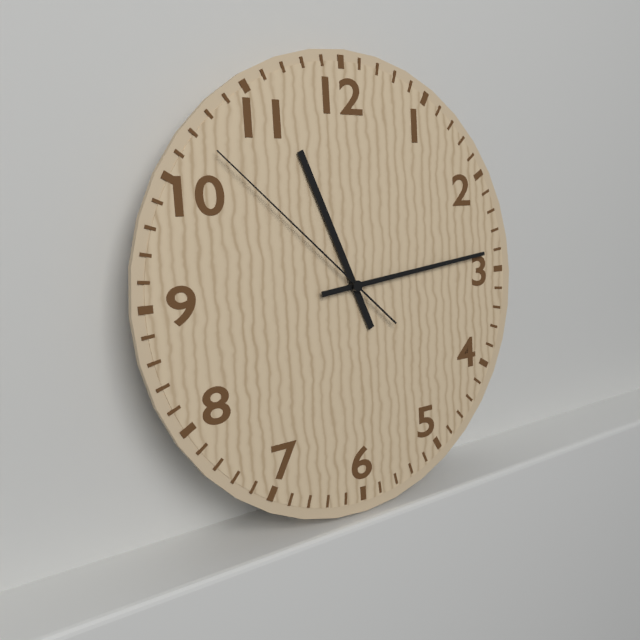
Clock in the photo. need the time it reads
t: 11:14:52
